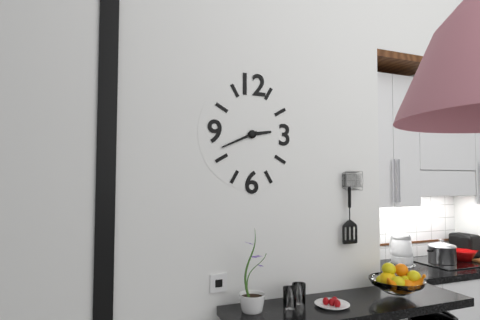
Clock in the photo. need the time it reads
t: 2:41
